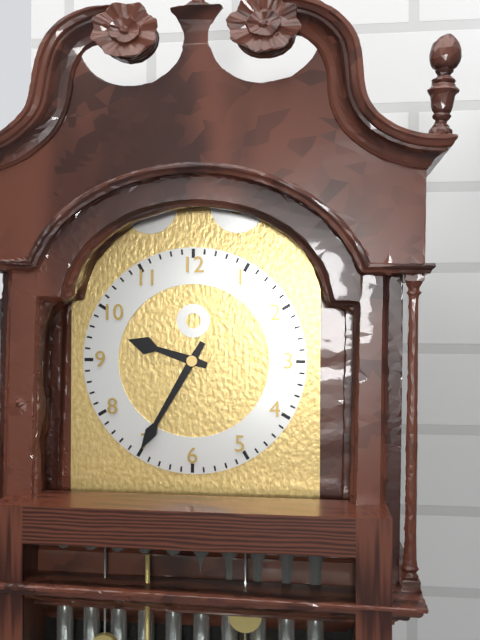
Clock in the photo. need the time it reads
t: 9:35
